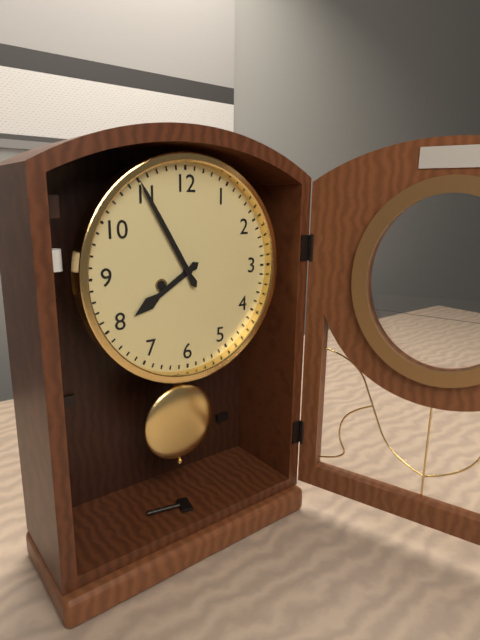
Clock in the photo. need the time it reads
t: 7:55
